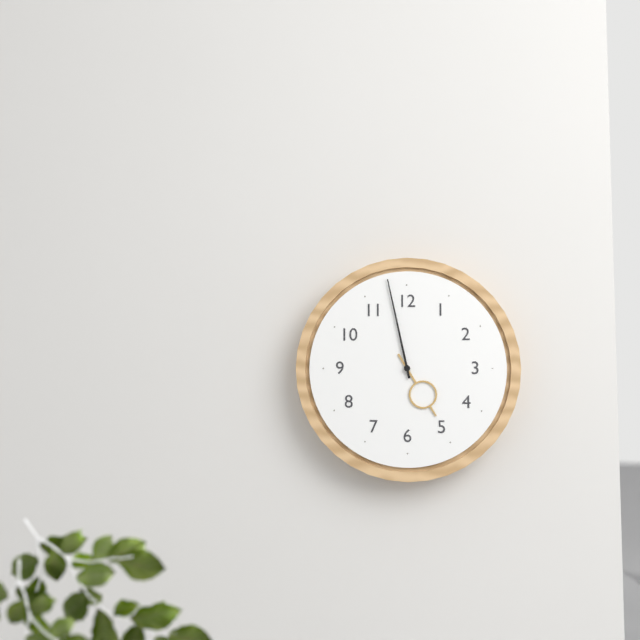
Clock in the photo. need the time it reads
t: 4:58
